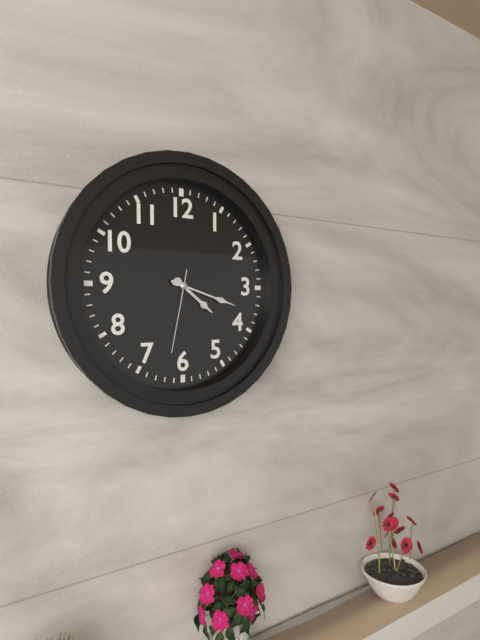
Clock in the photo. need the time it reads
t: 4:18:32
